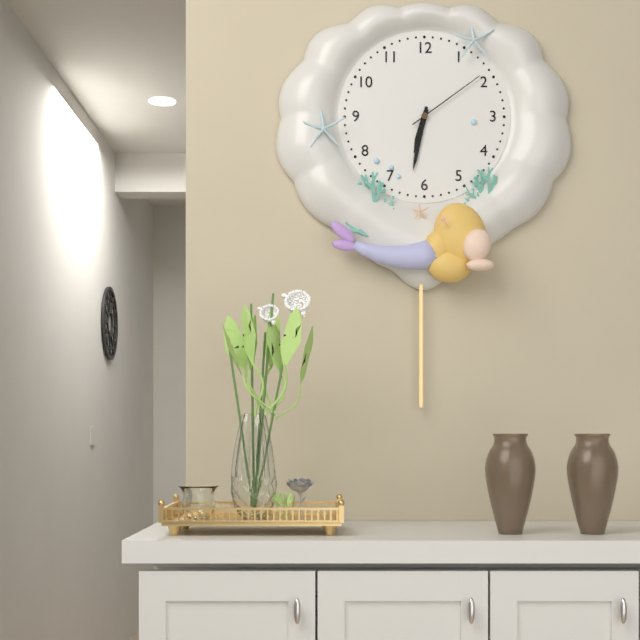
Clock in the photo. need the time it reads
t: 6:32:09
